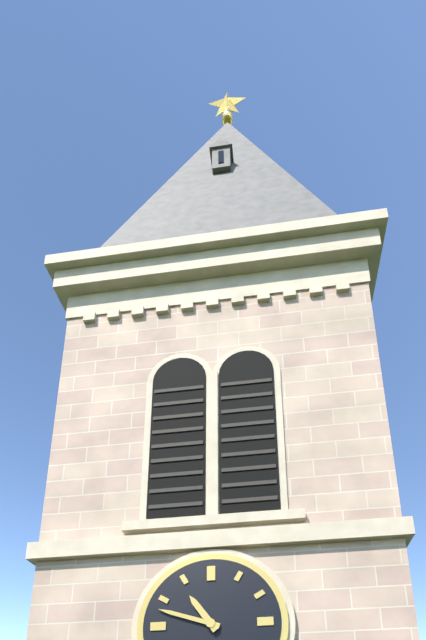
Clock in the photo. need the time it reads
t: 10:48
